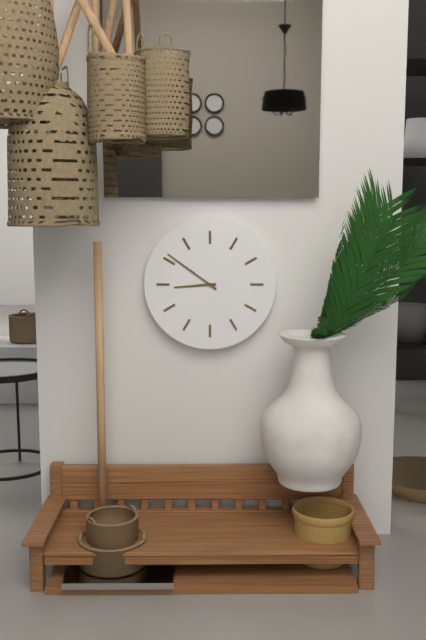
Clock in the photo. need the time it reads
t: 8:51
